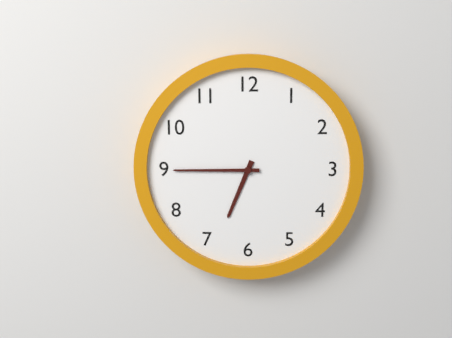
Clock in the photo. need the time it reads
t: 6:45
